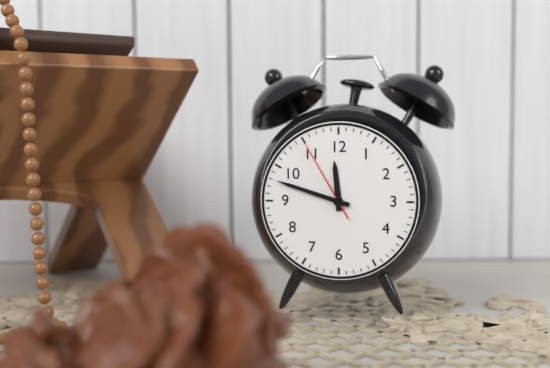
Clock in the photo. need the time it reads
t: 11:48:55
